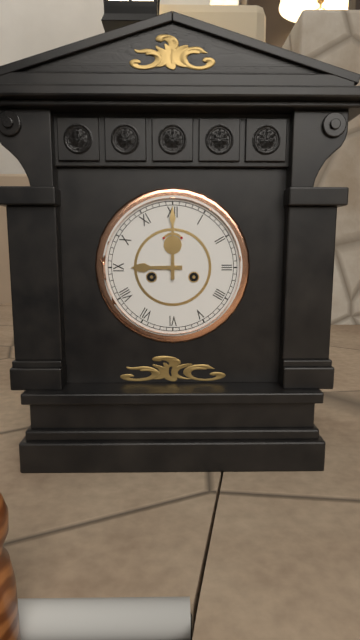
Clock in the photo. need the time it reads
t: 9:00
